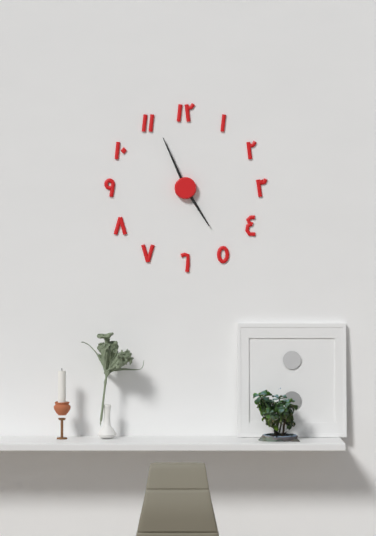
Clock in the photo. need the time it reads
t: 4:56
